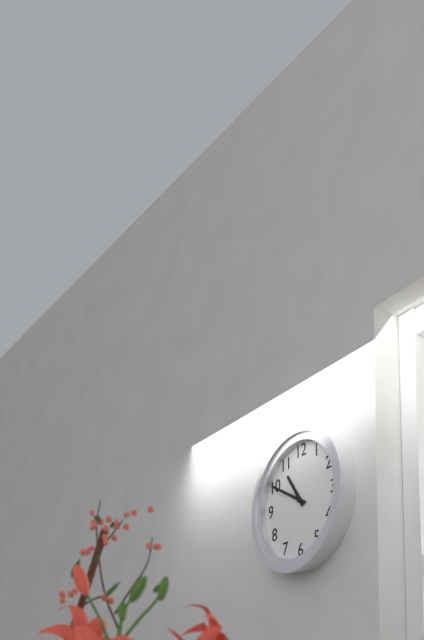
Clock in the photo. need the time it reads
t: 10:50
